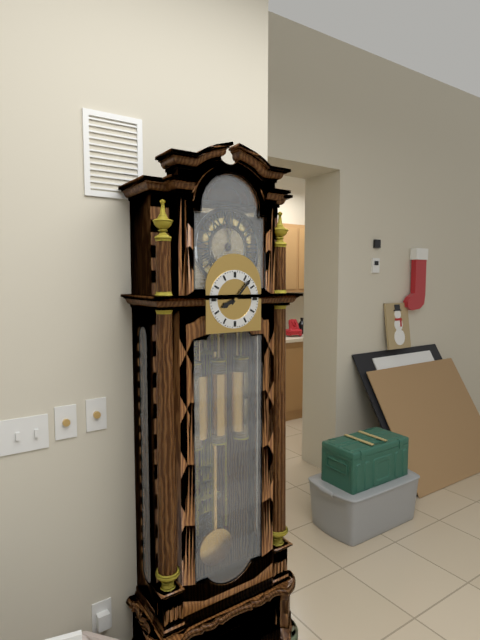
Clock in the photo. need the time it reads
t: 8:07
